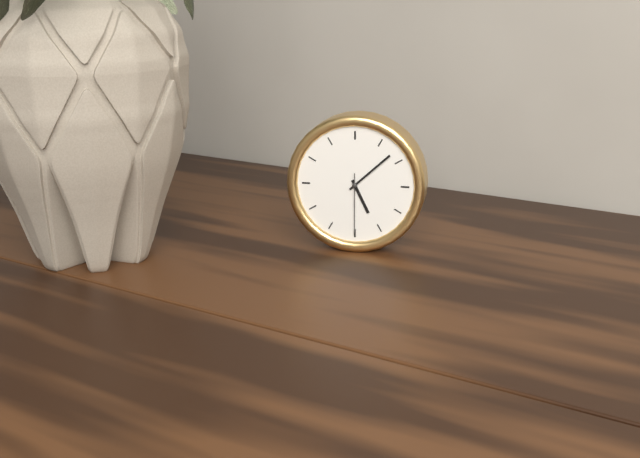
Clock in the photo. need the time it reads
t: 5:08:30
